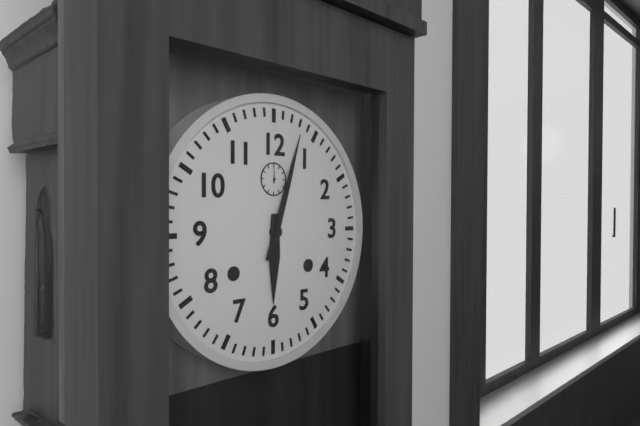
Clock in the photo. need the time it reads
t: 6:03
